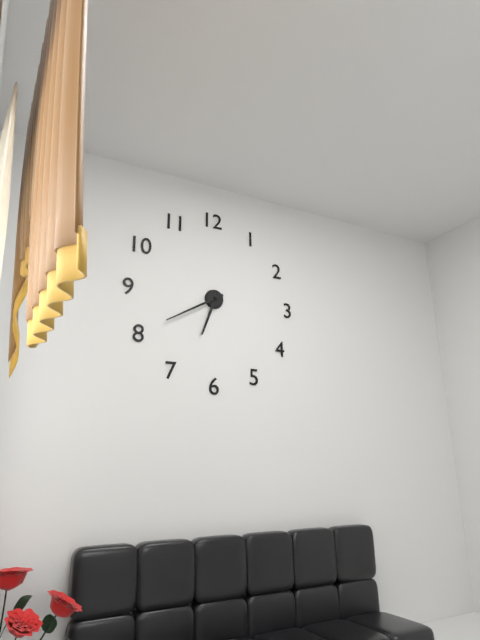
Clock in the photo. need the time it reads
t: 6:40
